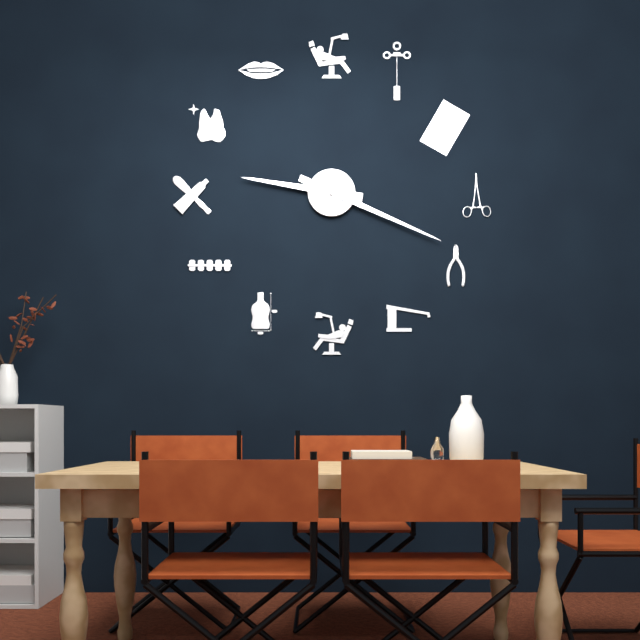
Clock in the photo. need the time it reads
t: 9:19
